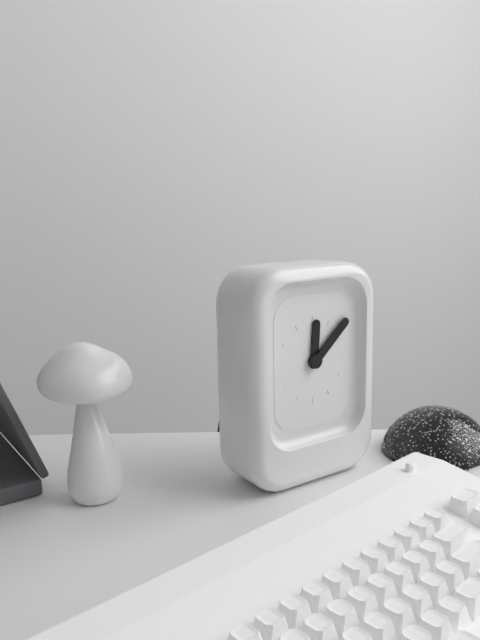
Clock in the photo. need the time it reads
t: 12:08
